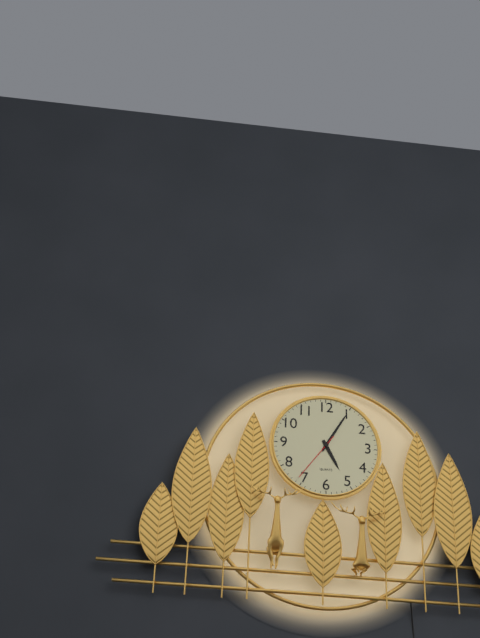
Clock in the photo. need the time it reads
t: 5:05:36
